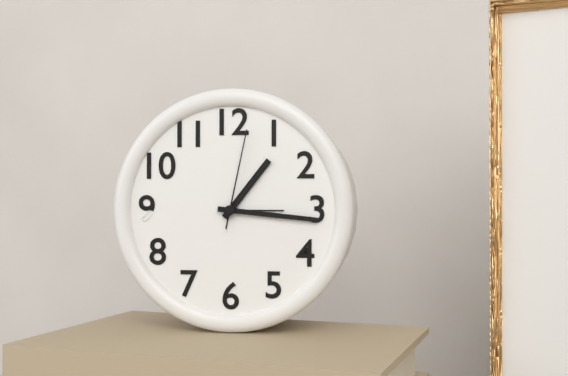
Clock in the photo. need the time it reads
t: 1:16:02
